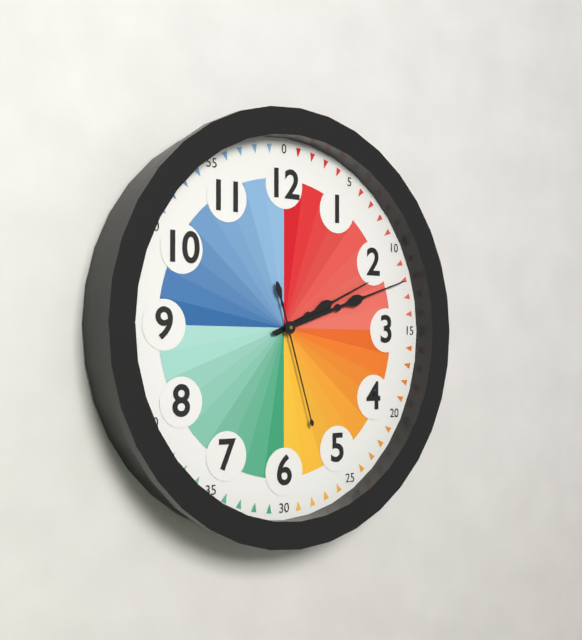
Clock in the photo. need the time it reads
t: 2:12:27
